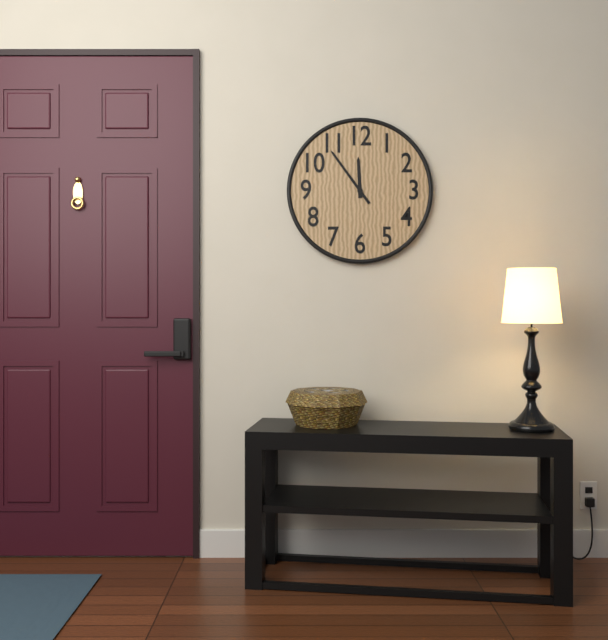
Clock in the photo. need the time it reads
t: 11:54
